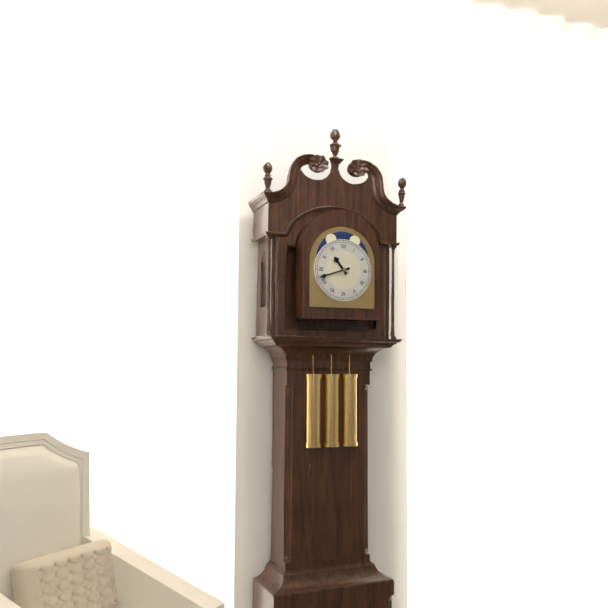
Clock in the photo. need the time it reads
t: 10:42
